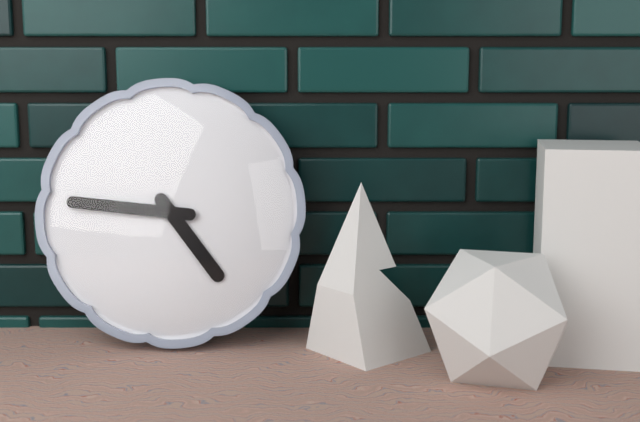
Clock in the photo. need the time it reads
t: 4:46
